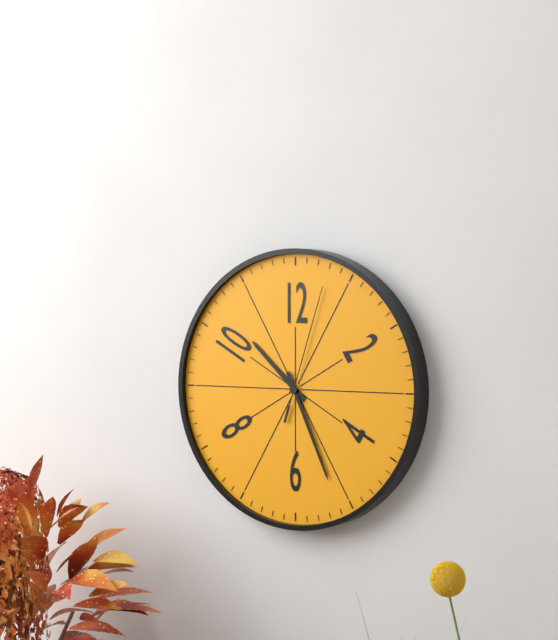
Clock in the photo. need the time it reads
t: 10:26:03
